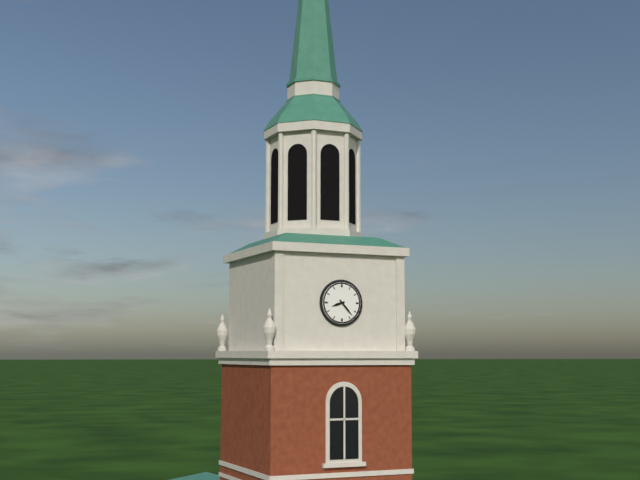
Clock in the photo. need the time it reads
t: 8:23
